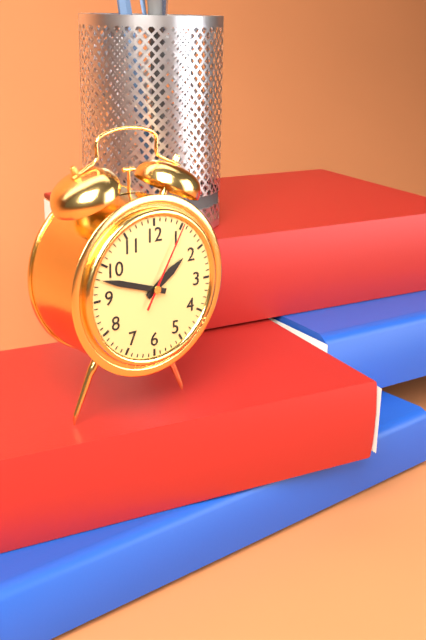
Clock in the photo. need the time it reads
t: 1:48:05
